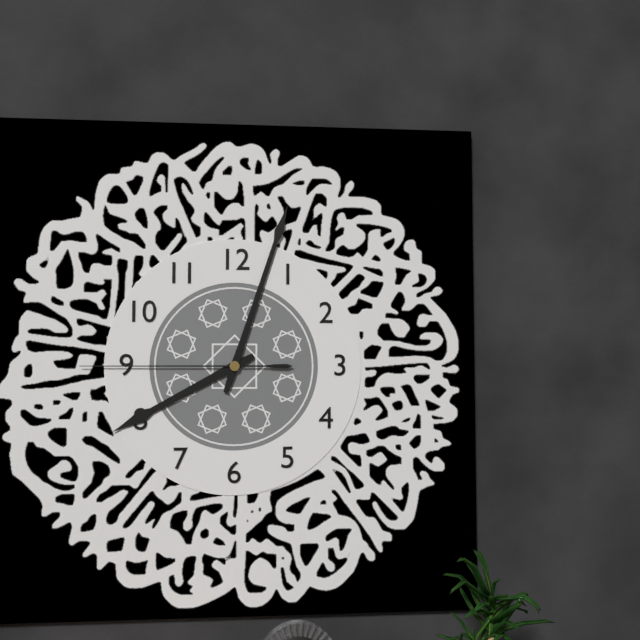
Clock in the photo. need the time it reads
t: 8:03:45
